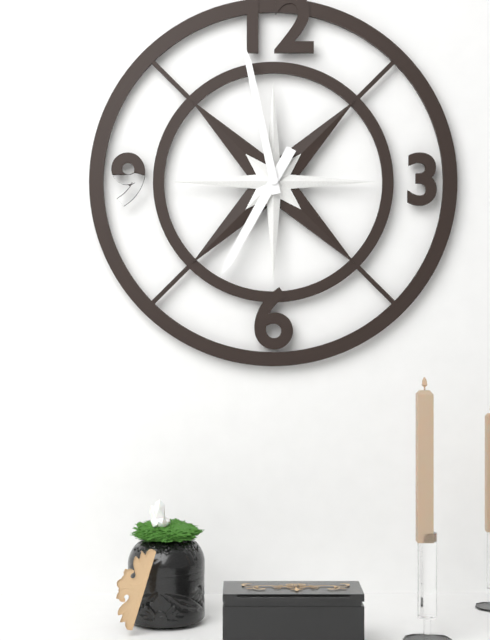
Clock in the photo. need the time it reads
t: 6:58
